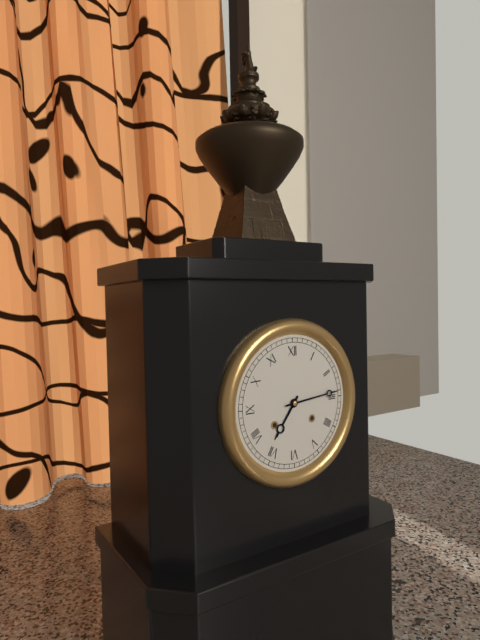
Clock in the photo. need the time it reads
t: 7:14
